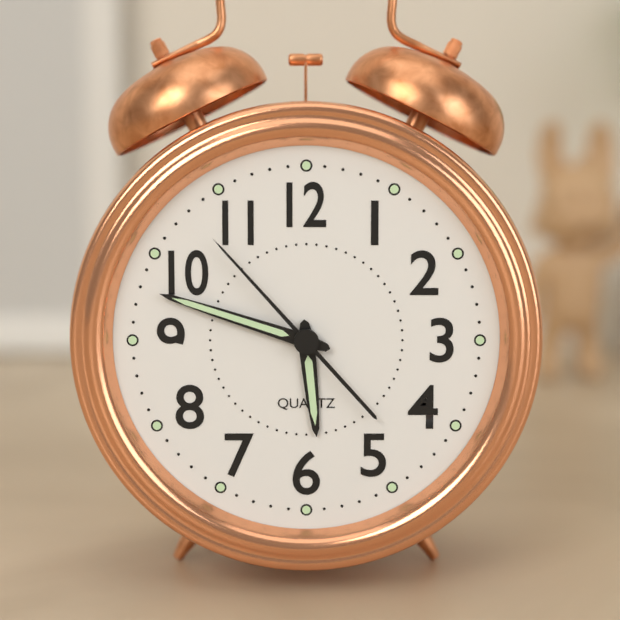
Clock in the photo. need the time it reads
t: 5:48:53
